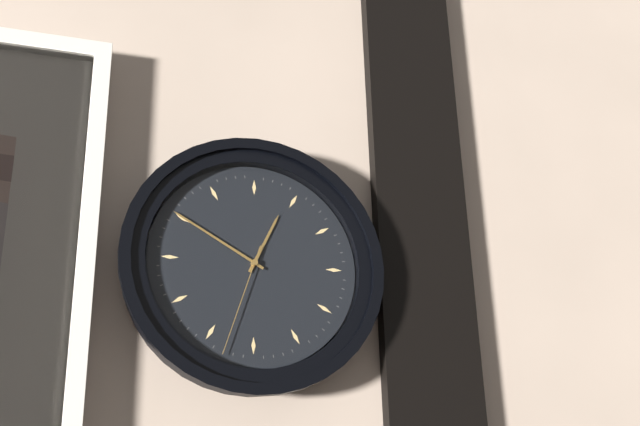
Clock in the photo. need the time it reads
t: 12:50:33
